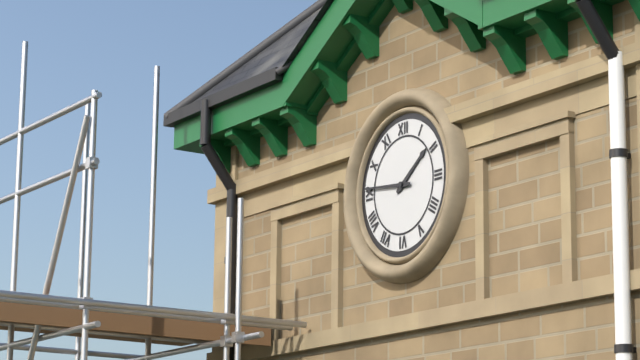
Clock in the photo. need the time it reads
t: 1:46
